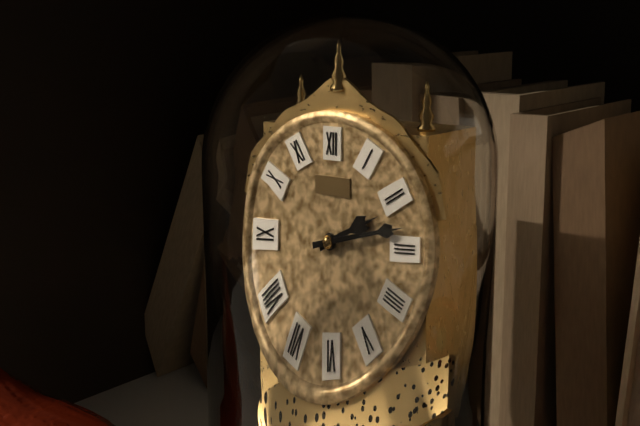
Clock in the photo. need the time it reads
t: 2:13
